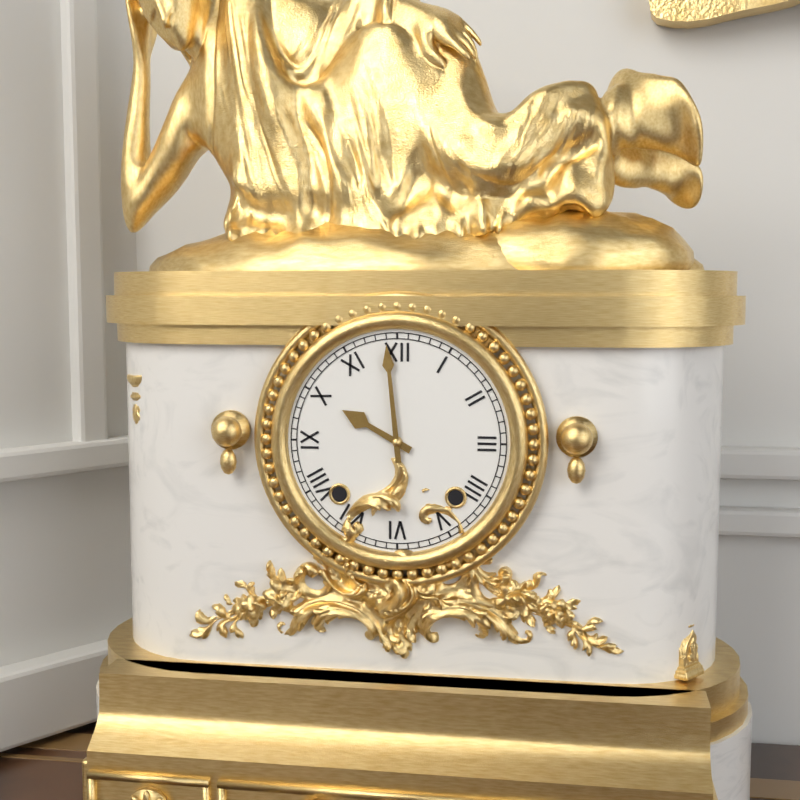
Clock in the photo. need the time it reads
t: 9:59
